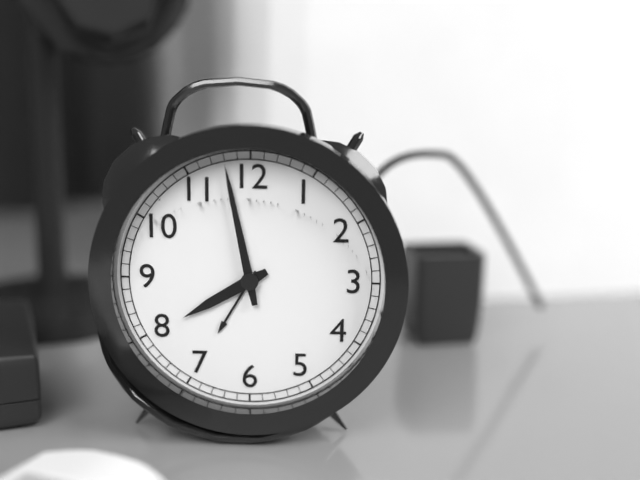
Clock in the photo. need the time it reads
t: 7:58
